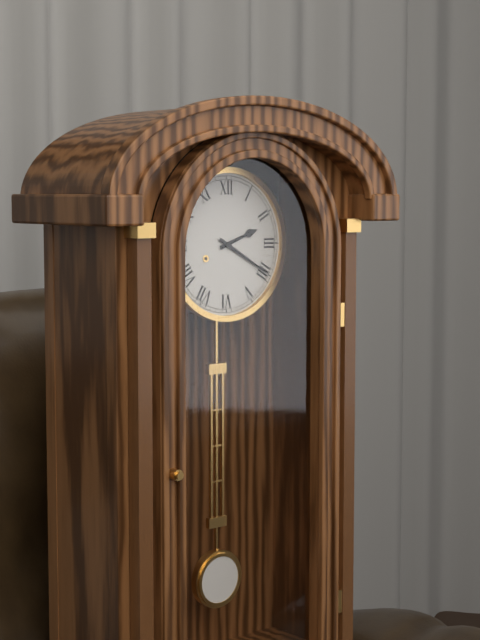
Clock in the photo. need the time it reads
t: 2:20
